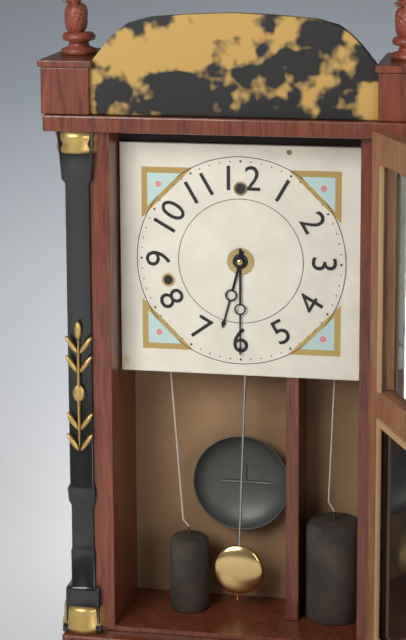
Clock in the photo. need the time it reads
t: 6:30
